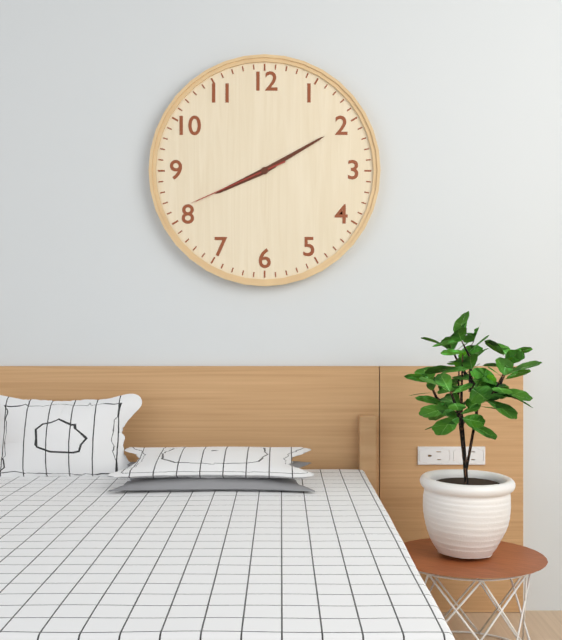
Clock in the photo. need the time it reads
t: 8:10:41
